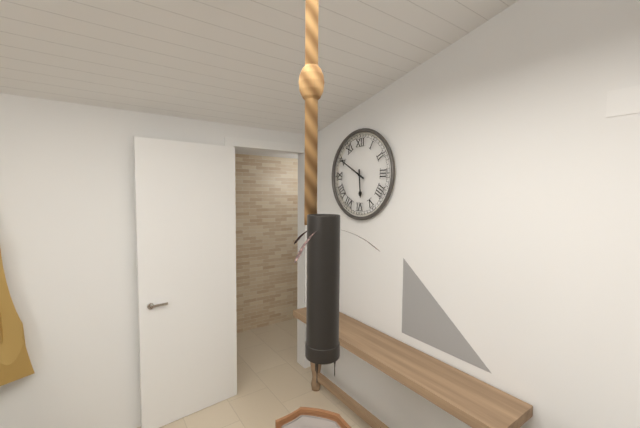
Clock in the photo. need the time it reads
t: 5:50
